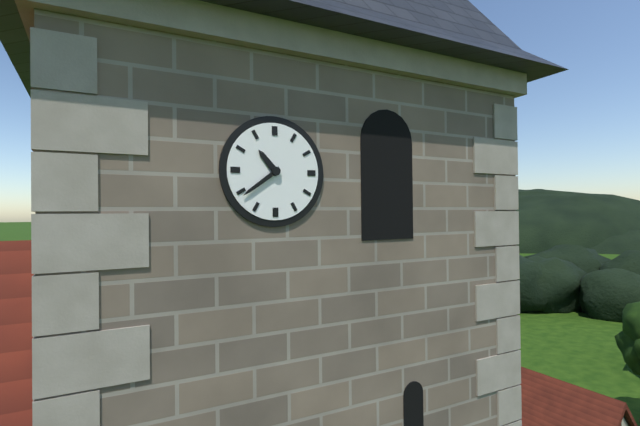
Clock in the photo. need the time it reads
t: 10:39
